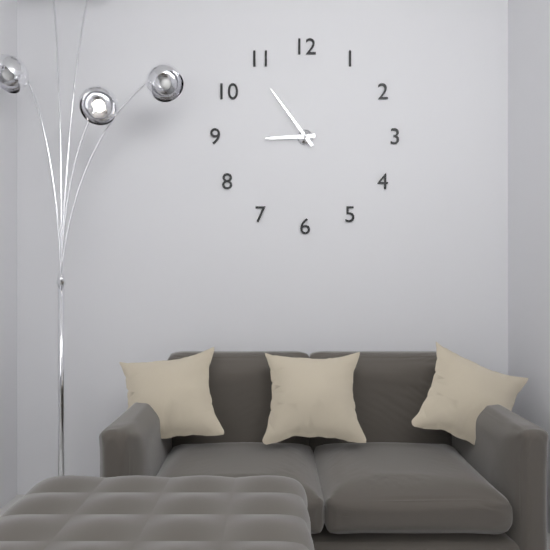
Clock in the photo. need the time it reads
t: 8:54
